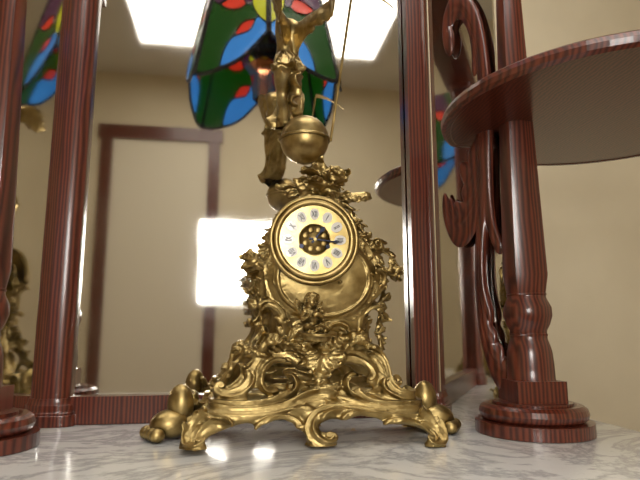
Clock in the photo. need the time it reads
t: 1:16
